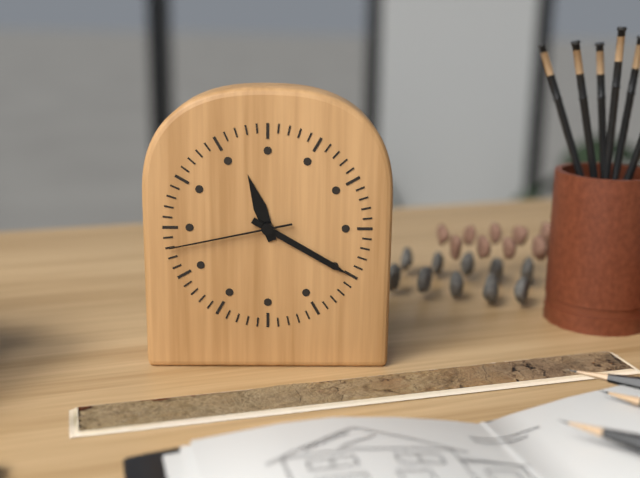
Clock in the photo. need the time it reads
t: 11:20:43
